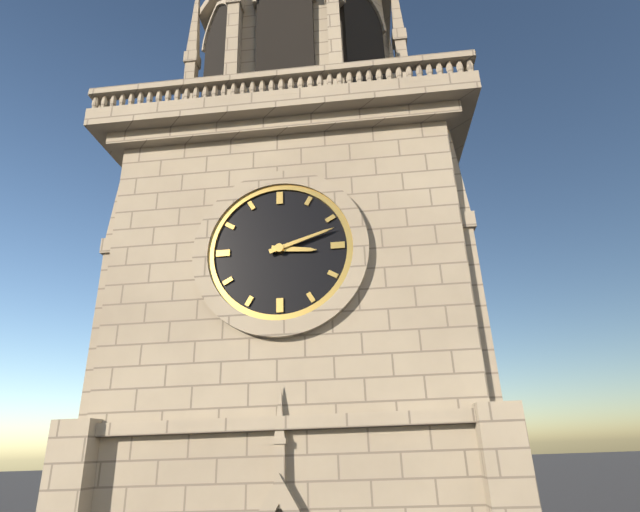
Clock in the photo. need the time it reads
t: 3:12
